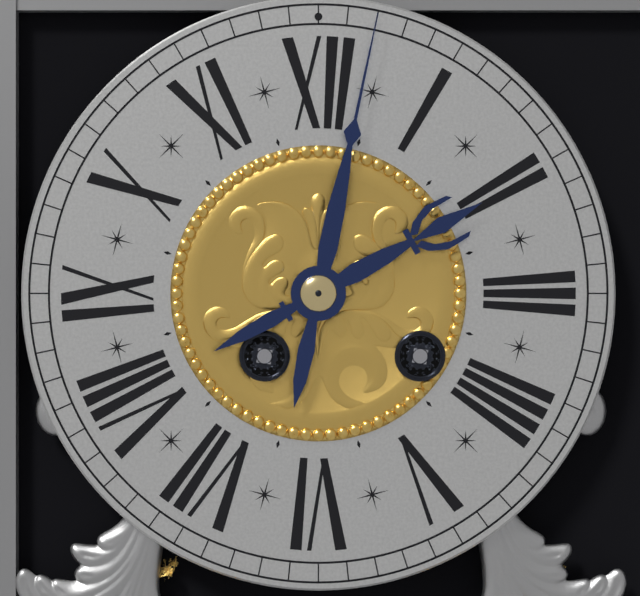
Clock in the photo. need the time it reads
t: 2:02
